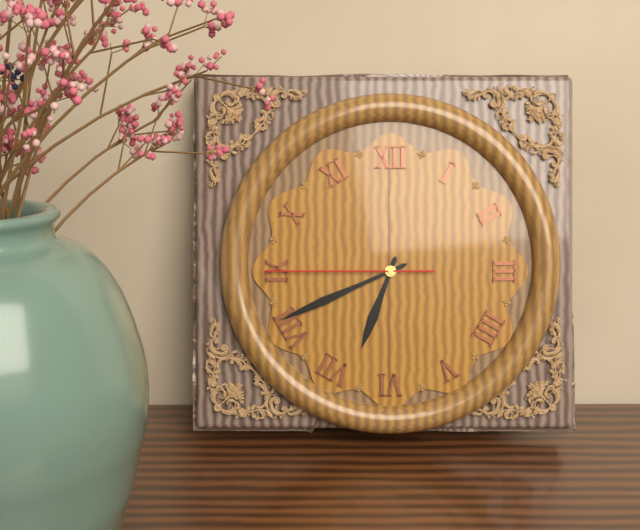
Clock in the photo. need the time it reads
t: 6:41:45
